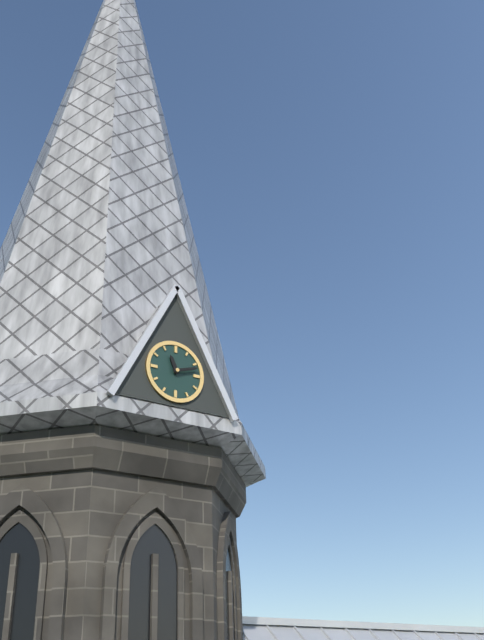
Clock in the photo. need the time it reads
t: 11:12
